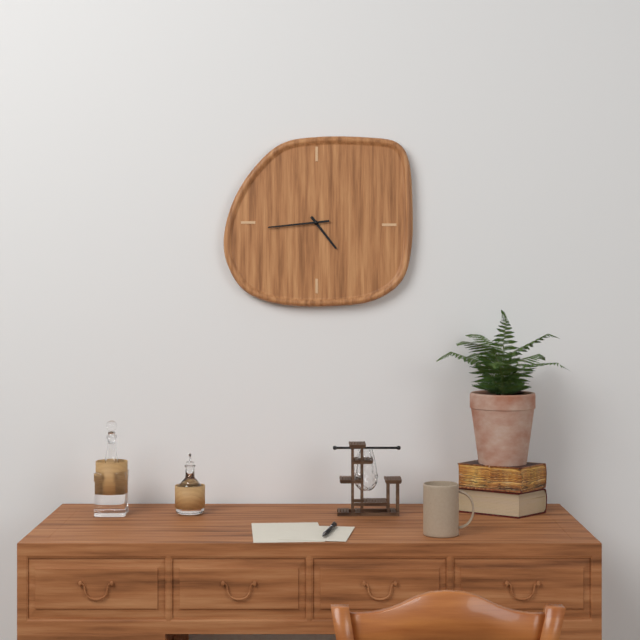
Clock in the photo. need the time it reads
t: 4:44
